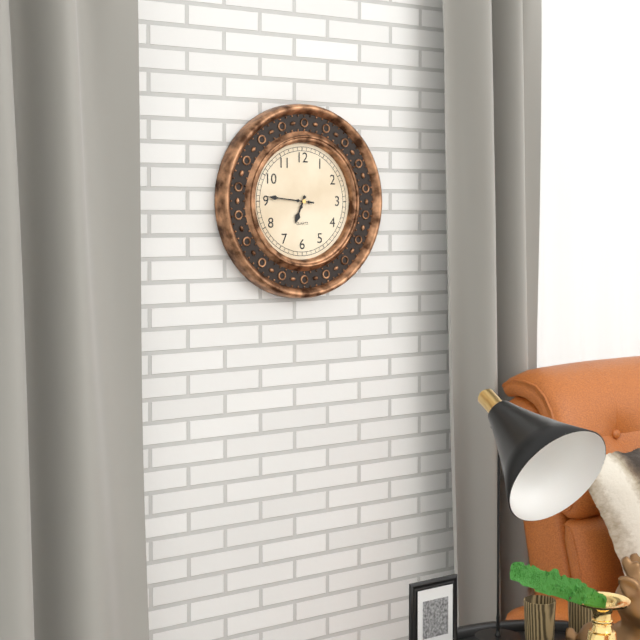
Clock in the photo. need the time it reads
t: 6:46
